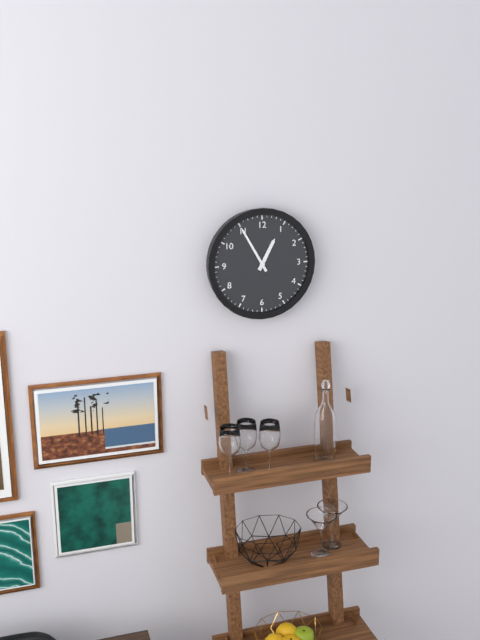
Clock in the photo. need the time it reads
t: 12:55
